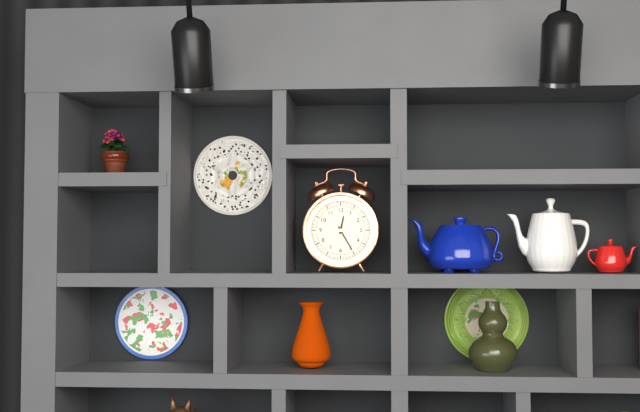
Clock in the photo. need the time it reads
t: 12:25
